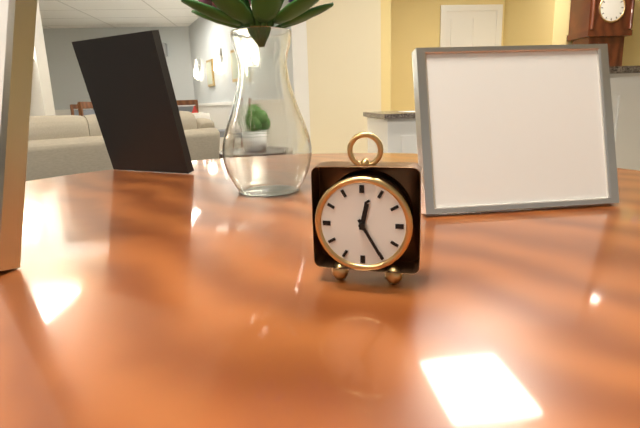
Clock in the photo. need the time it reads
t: 12:25
